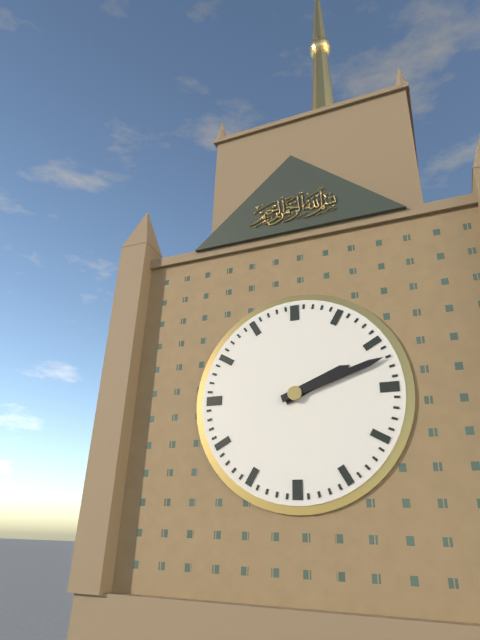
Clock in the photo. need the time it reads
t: 2:12
